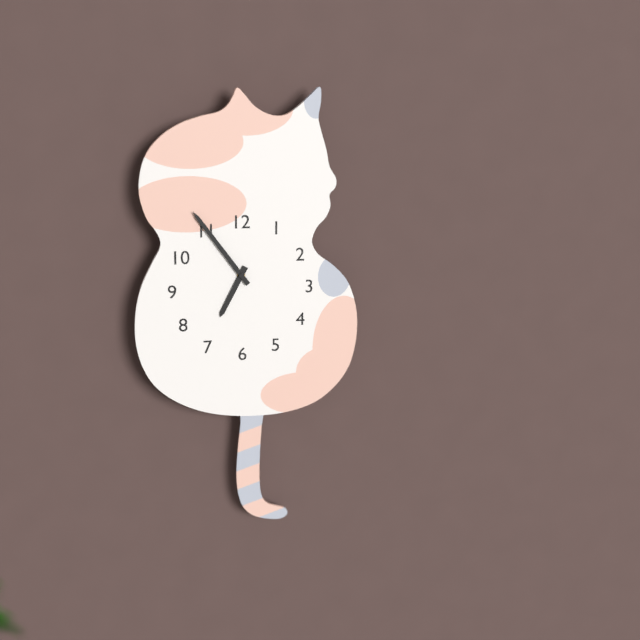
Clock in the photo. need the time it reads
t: 6:54
